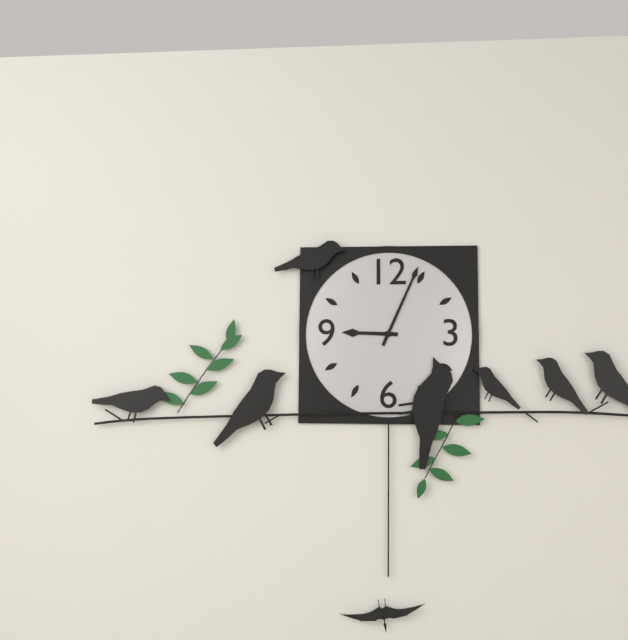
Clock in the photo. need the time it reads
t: 9:04
